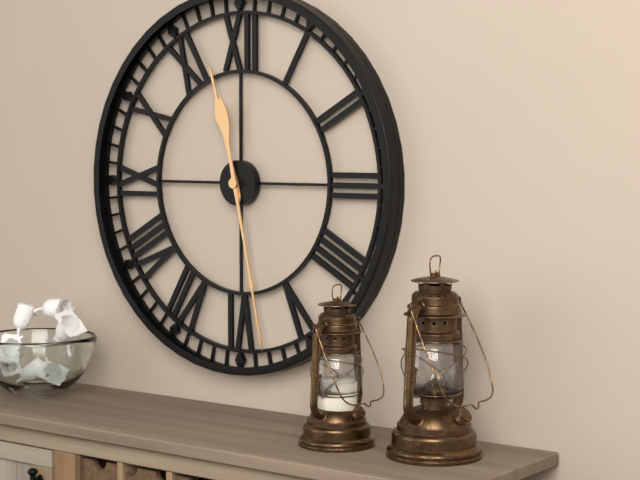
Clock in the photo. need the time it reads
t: 11:28
